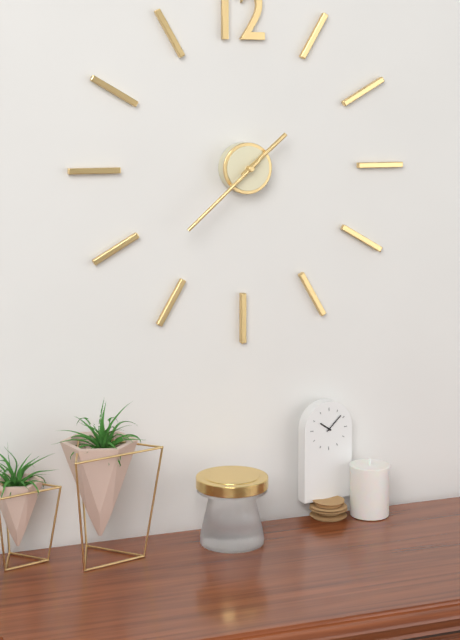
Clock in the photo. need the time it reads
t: 1:38
